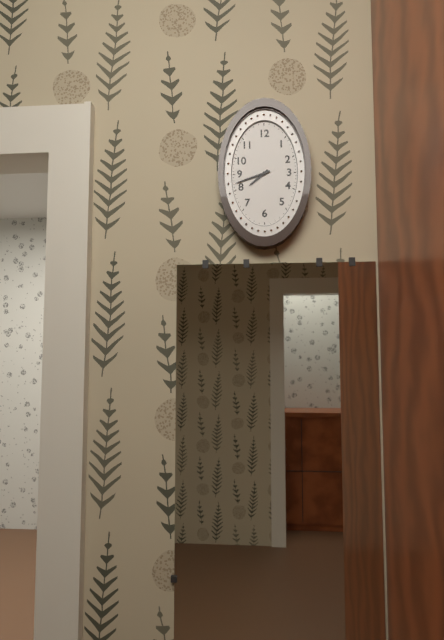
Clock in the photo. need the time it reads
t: 7:42
